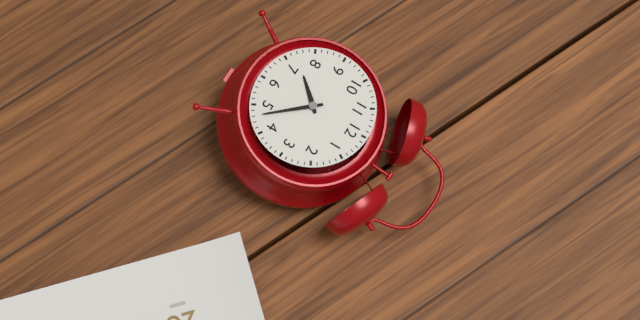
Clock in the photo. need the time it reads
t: 7:23
